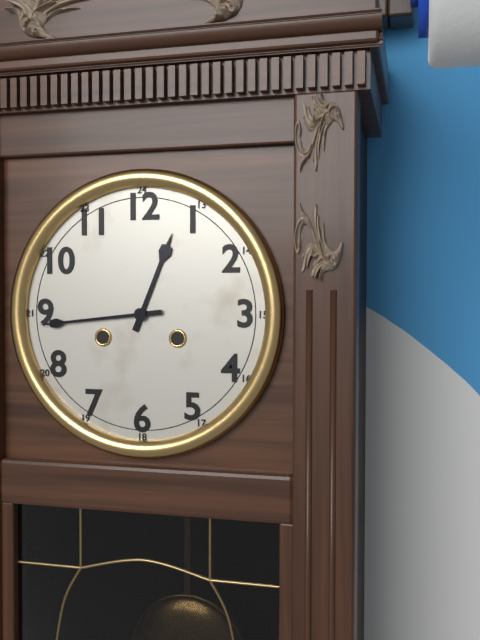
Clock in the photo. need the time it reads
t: 12:44
